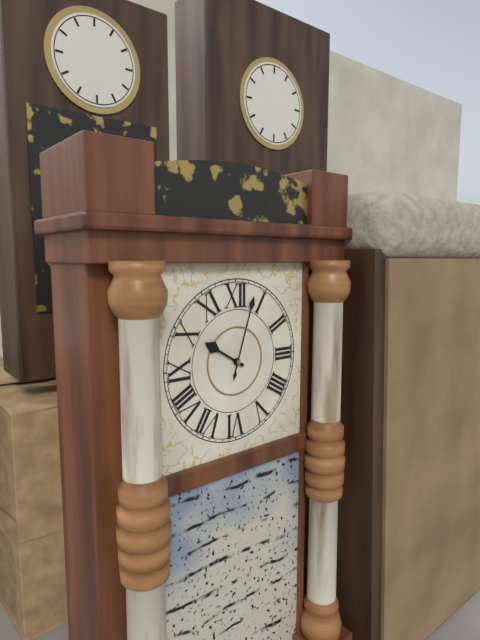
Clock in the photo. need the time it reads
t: 10:03
